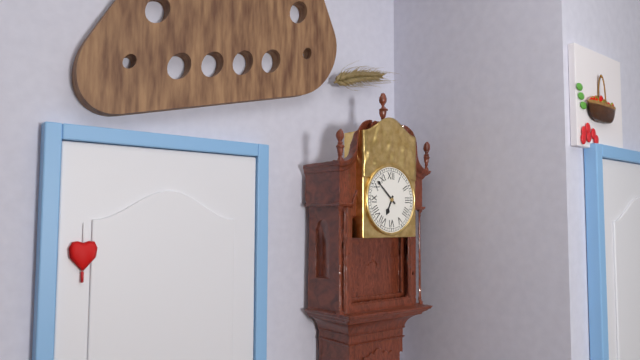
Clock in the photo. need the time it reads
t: 6:52
